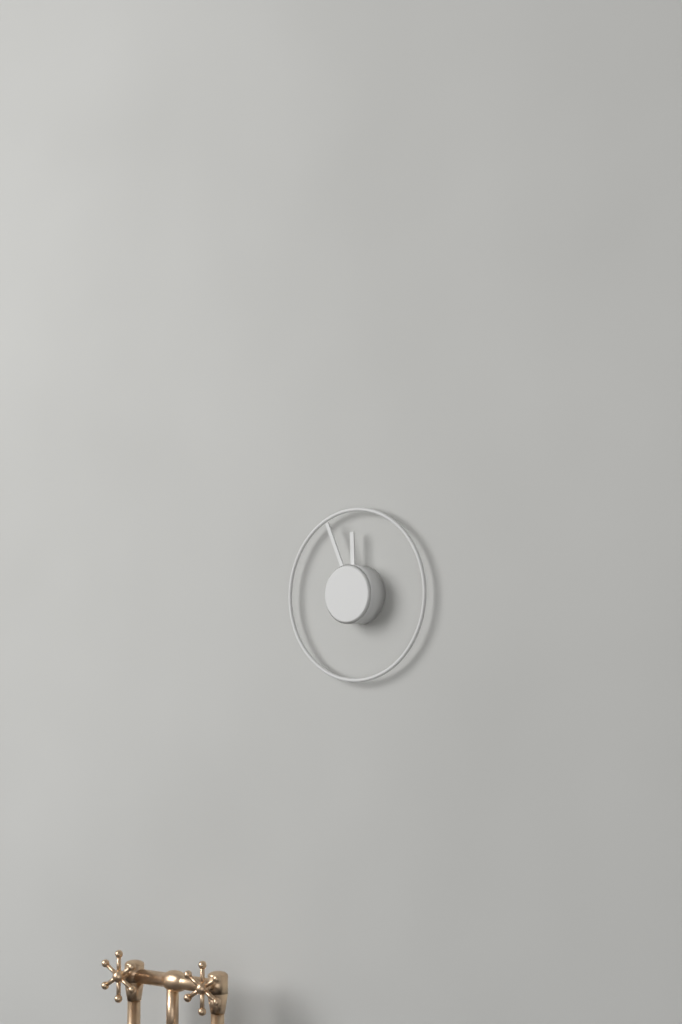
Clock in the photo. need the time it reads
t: 11:56
